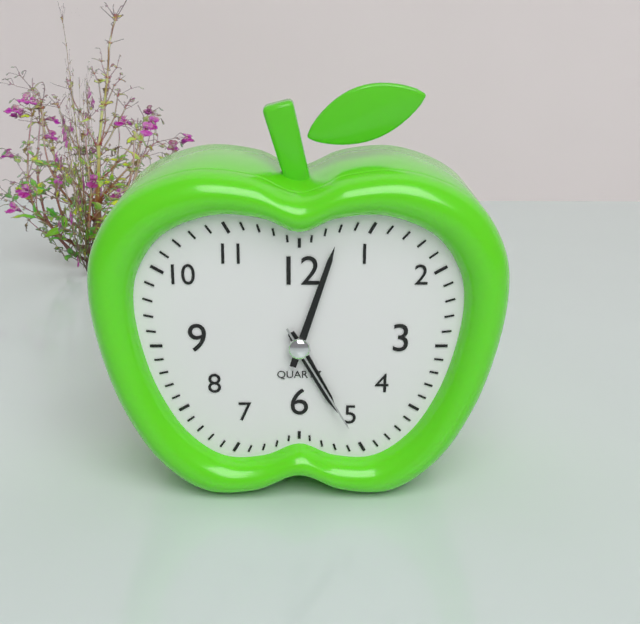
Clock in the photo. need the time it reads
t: 5:03:25
